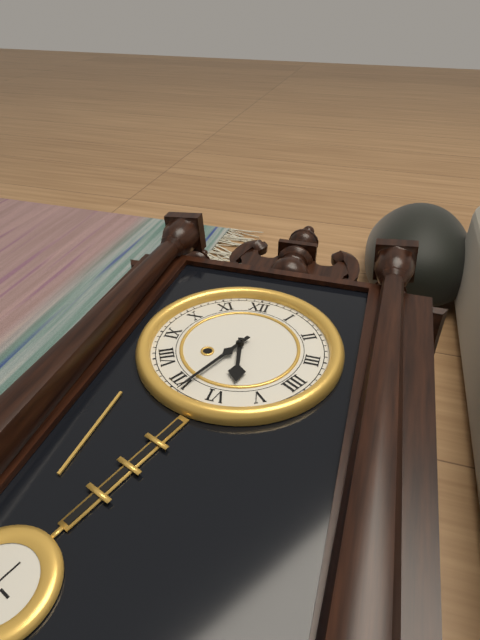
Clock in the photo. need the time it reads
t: 5:34
